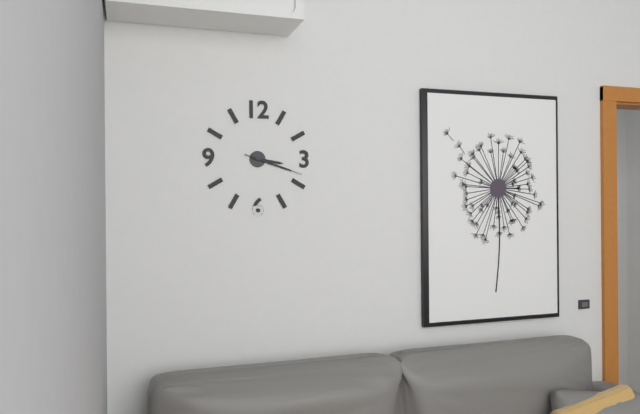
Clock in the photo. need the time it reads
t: 3:18:18
